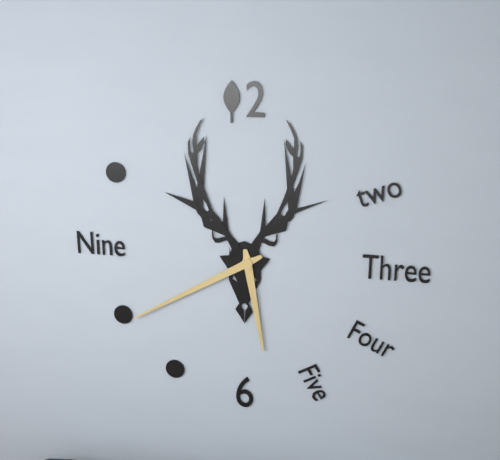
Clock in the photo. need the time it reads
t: 5:40
